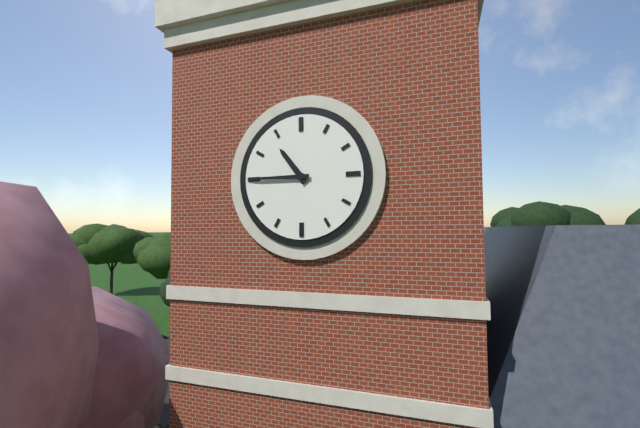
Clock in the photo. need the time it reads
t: 10:45
